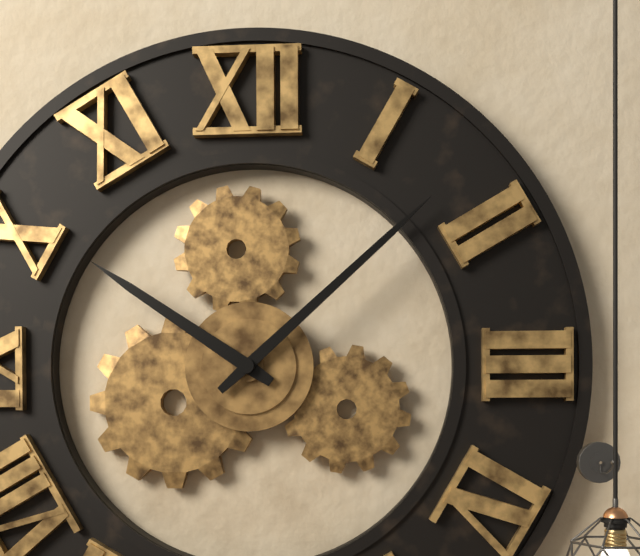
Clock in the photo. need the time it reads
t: 10:08
